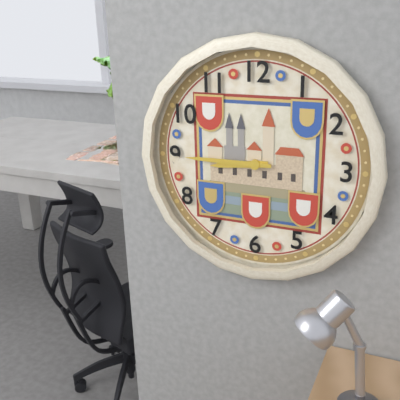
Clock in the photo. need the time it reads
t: 8:45
